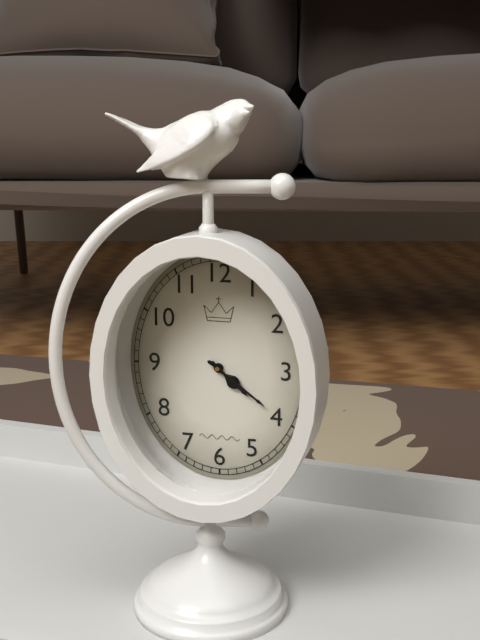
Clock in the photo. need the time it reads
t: 4:21
